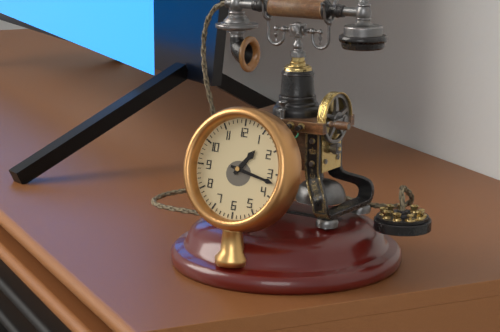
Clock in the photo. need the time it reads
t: 1:17
